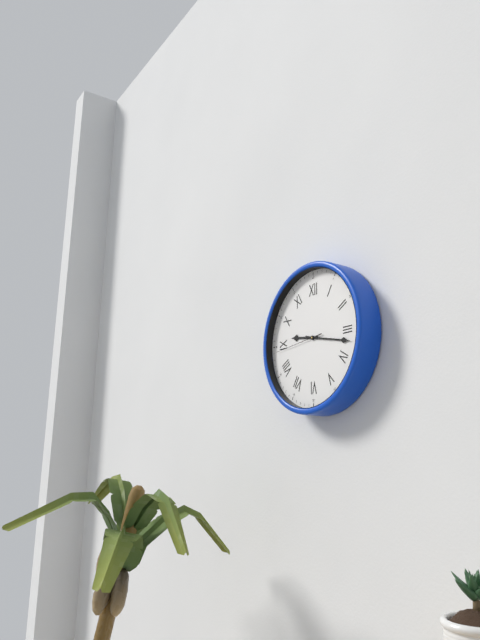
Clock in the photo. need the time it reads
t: 9:17
